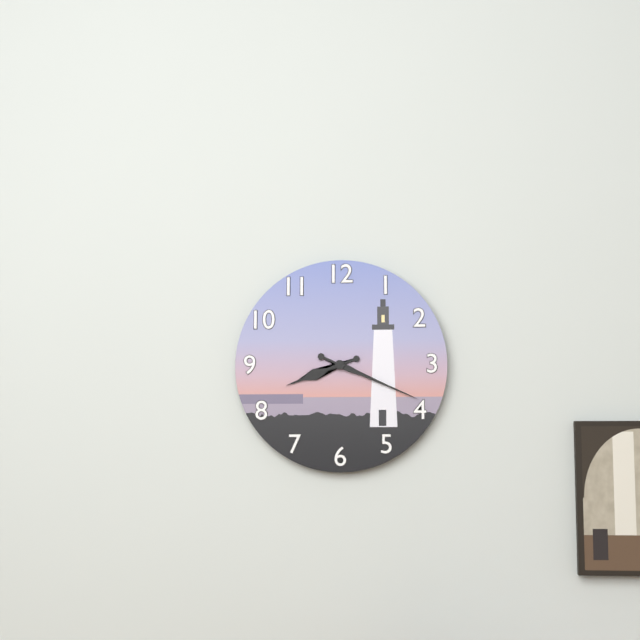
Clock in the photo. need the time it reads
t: 8:19
